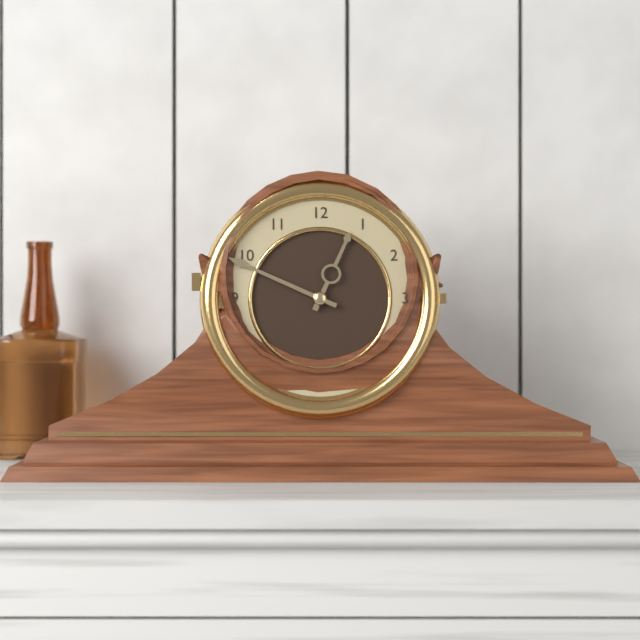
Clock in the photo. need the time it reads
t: 12:49
